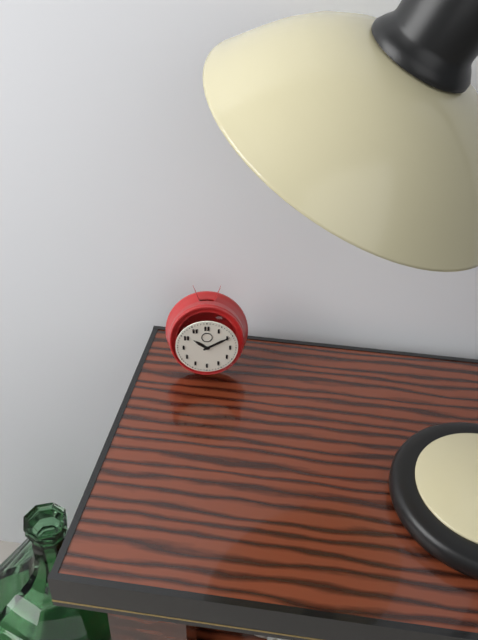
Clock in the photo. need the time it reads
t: 10:10
